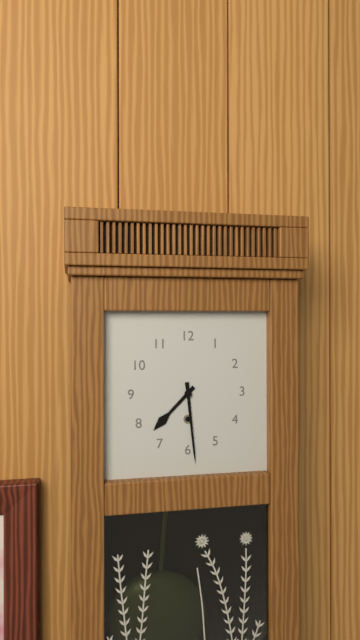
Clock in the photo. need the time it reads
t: 7:29
